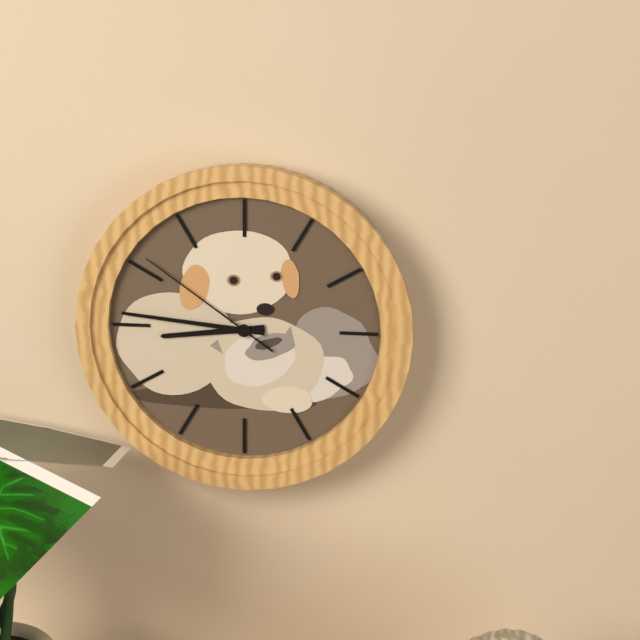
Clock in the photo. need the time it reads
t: 8:46:51
